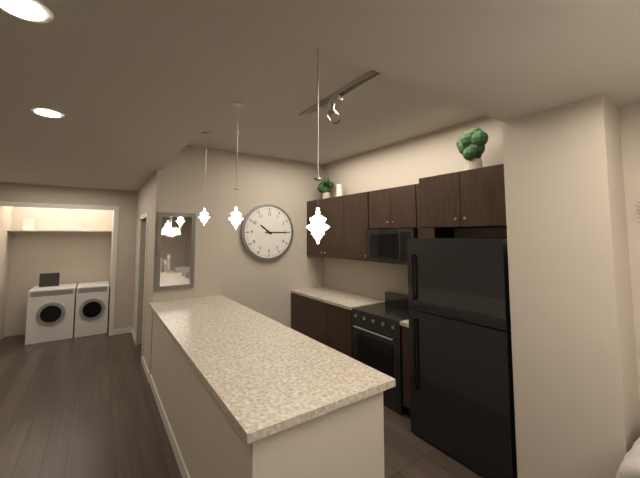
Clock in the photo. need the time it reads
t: 10:15
